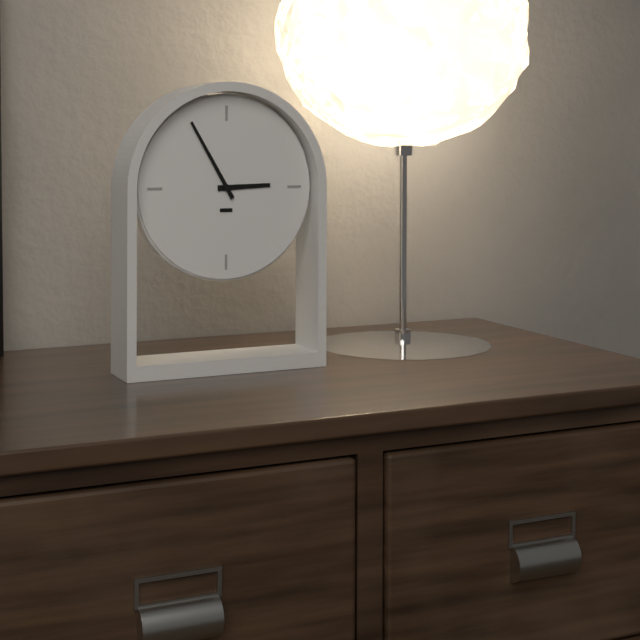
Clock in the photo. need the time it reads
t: 2:55
